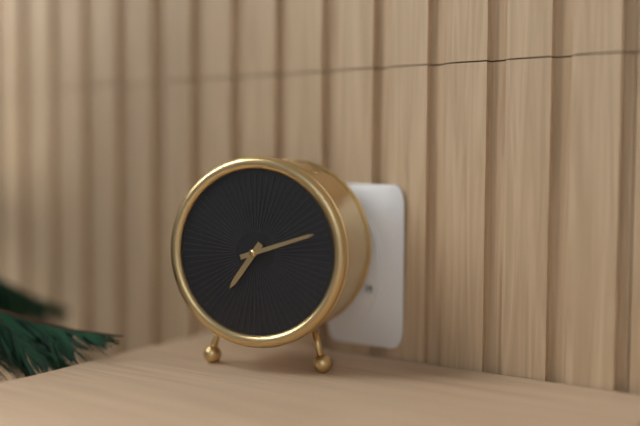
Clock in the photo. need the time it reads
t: 7:12
